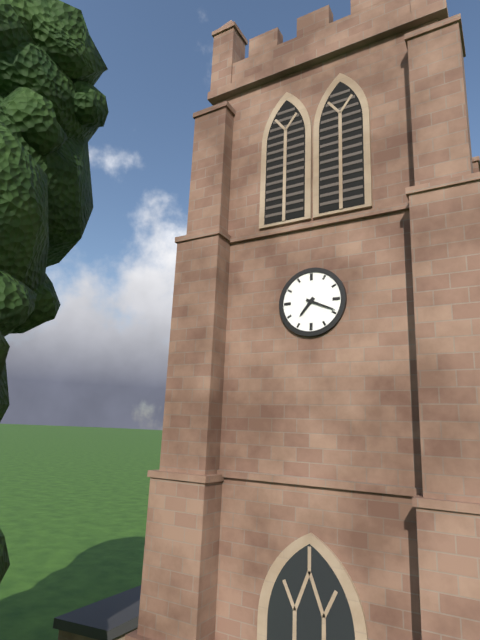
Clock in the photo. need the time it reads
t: 7:19
